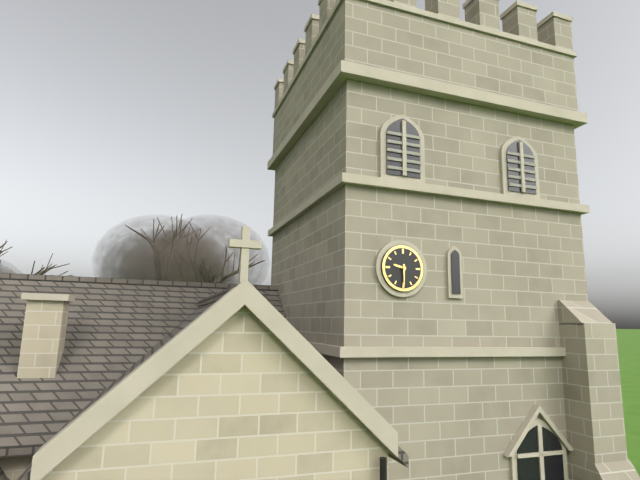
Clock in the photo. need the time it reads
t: 9:30
